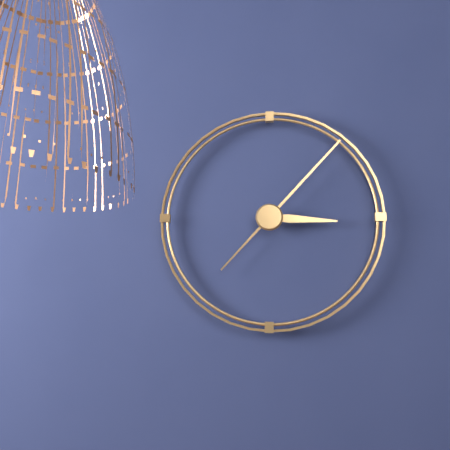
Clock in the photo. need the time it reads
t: 3:07
